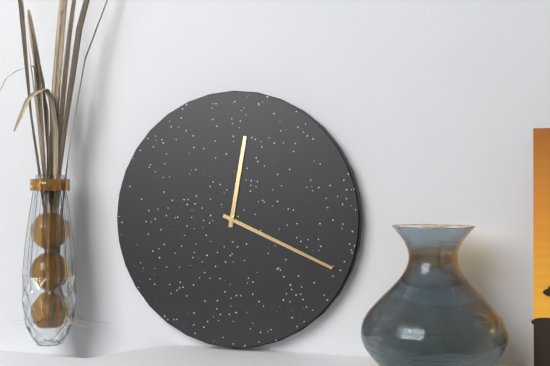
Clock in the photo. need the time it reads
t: 12:19
